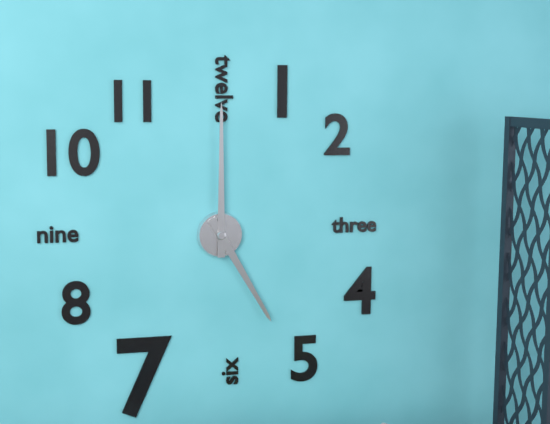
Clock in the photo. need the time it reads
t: 5:00
